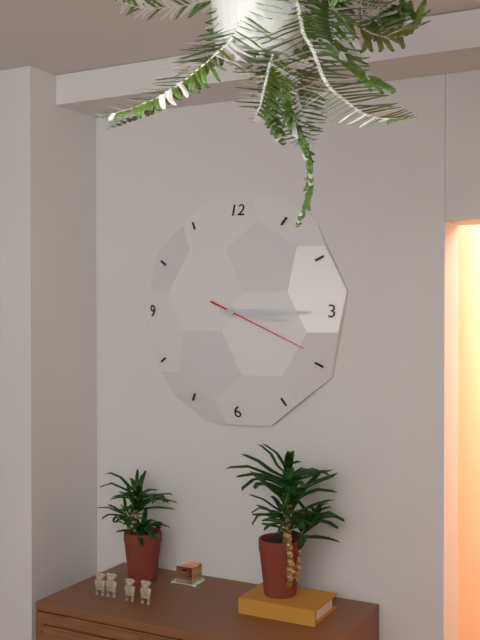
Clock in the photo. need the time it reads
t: 3:15:19
